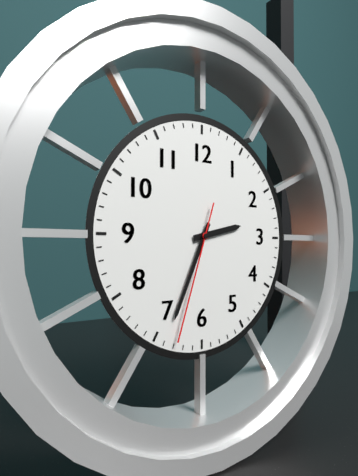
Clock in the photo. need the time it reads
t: 2:34:33
